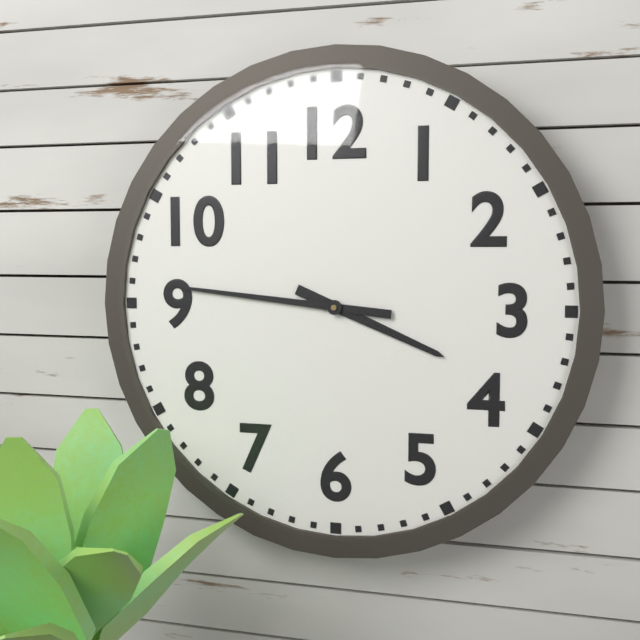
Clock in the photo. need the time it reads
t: 3:46
